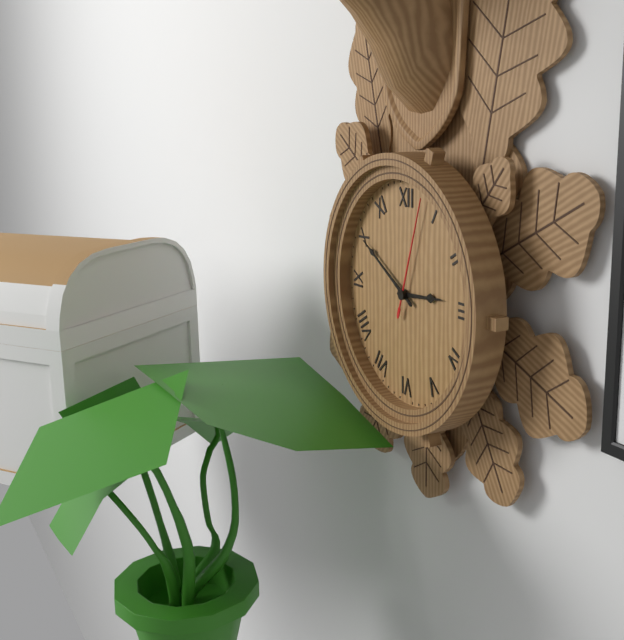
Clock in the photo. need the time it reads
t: 2:50:03
